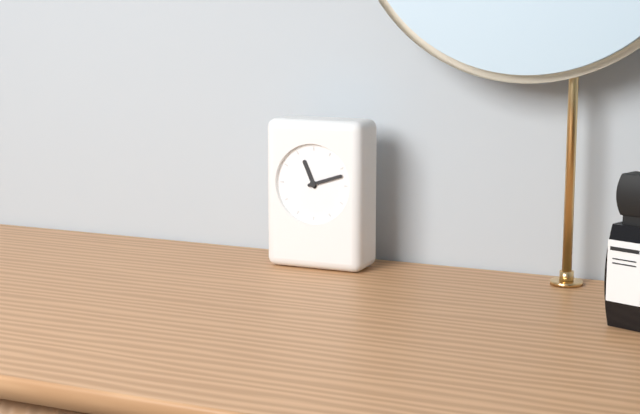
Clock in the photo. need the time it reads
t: 11:12
